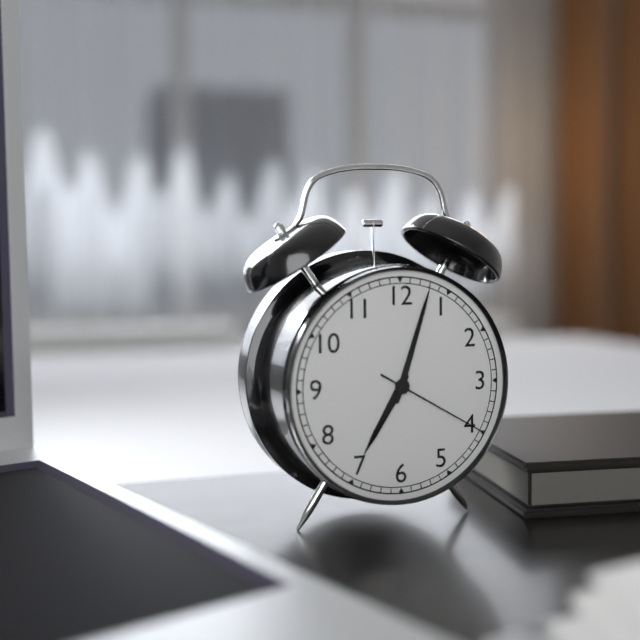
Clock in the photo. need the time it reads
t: 7:03:20
